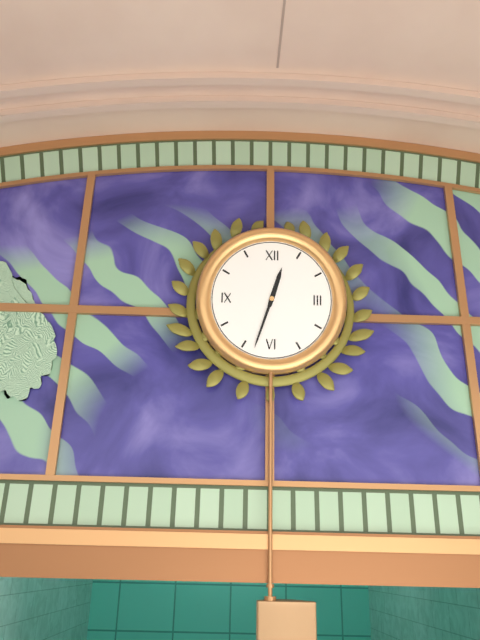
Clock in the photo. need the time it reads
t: 12:33
